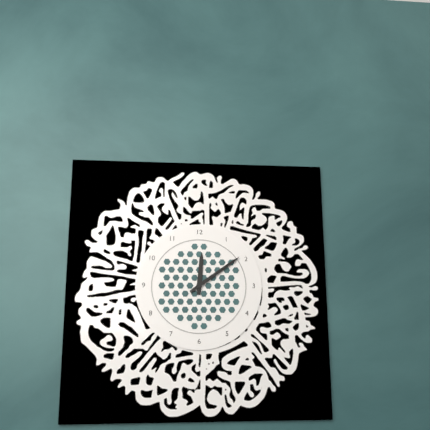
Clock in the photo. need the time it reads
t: 12:09
